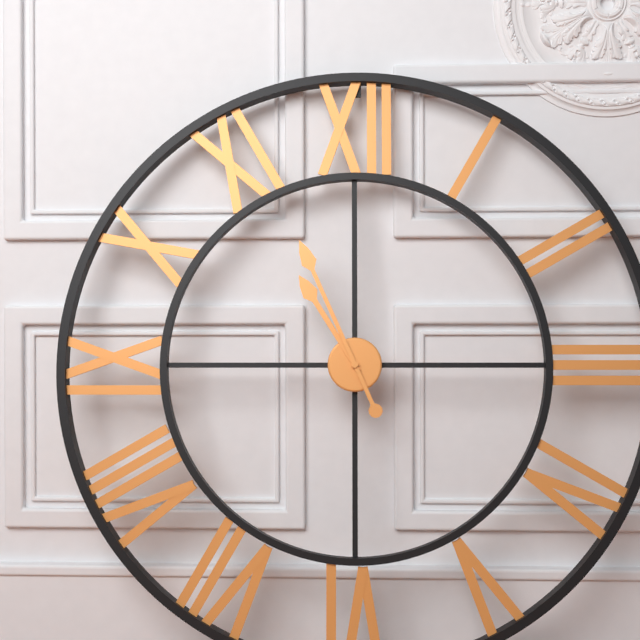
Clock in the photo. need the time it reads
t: 10:56
